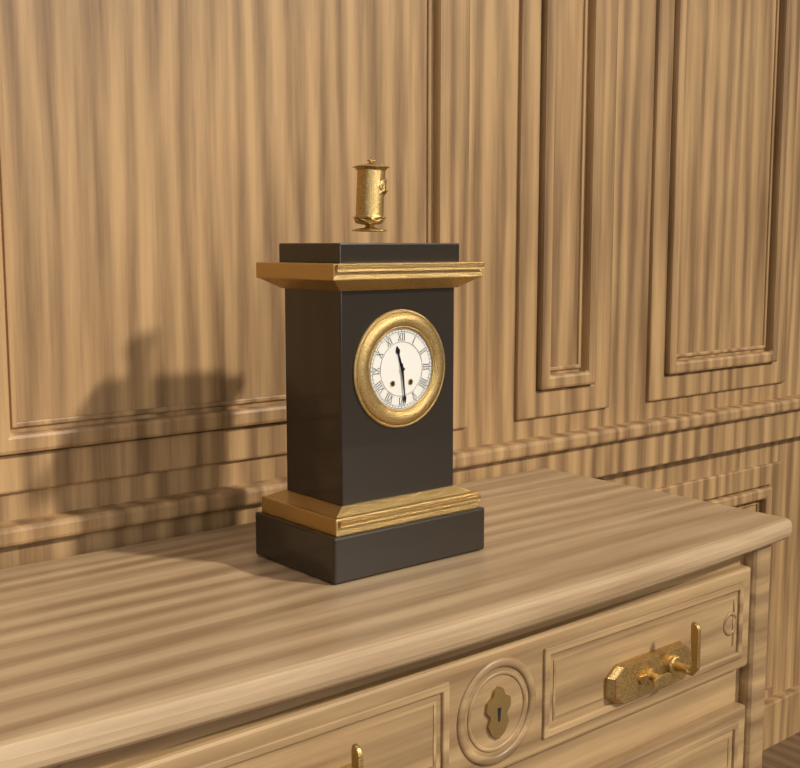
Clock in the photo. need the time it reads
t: 11:29
